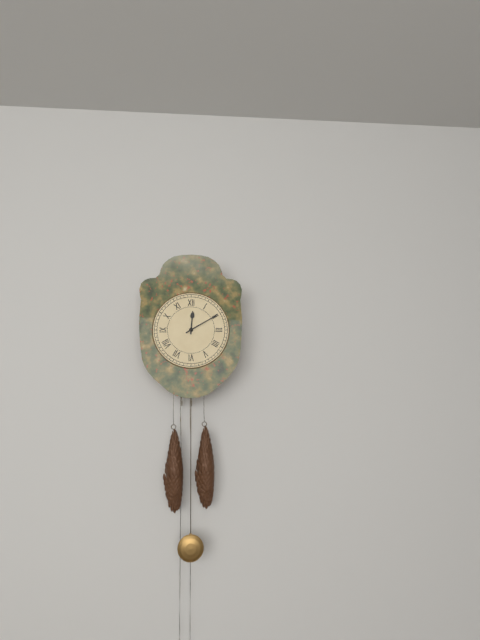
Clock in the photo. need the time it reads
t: 12:10
